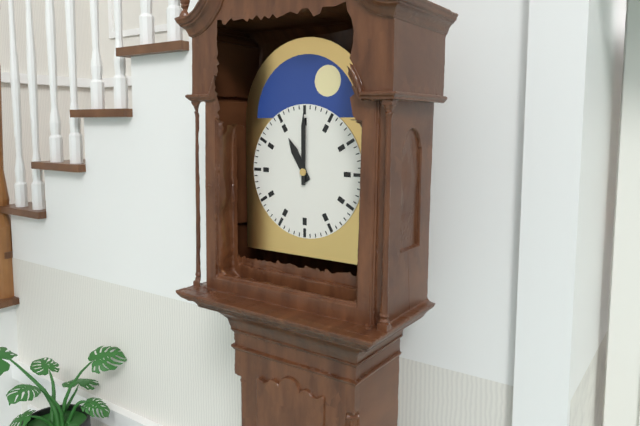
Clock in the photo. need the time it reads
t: 11:00
